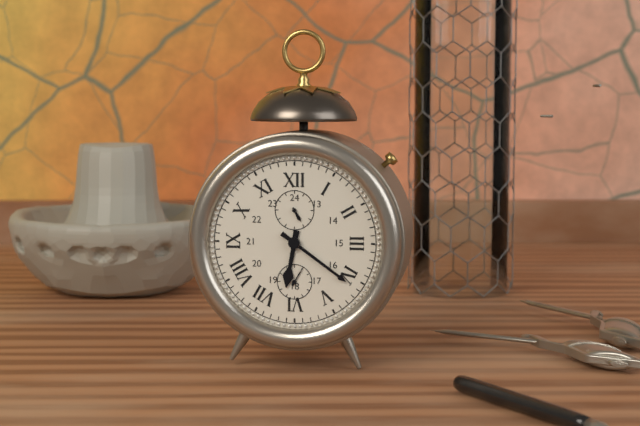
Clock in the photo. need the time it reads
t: 6:21
